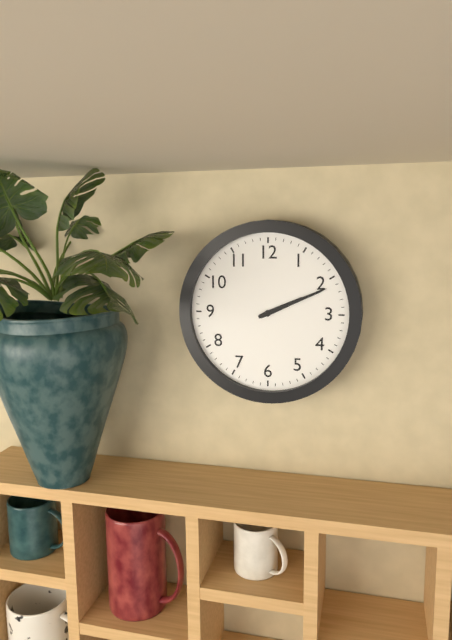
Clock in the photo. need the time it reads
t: 2:11
